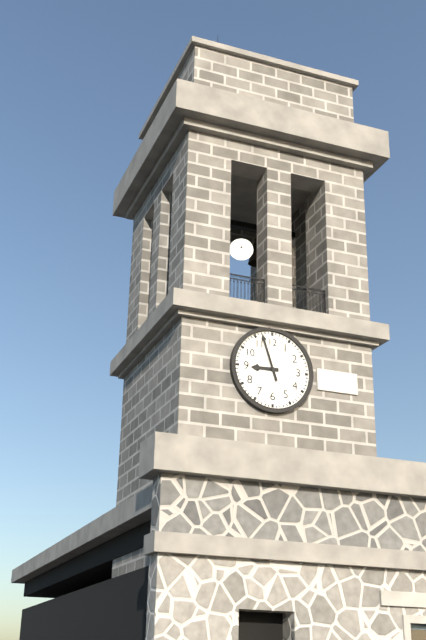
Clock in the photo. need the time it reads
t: 8:57
